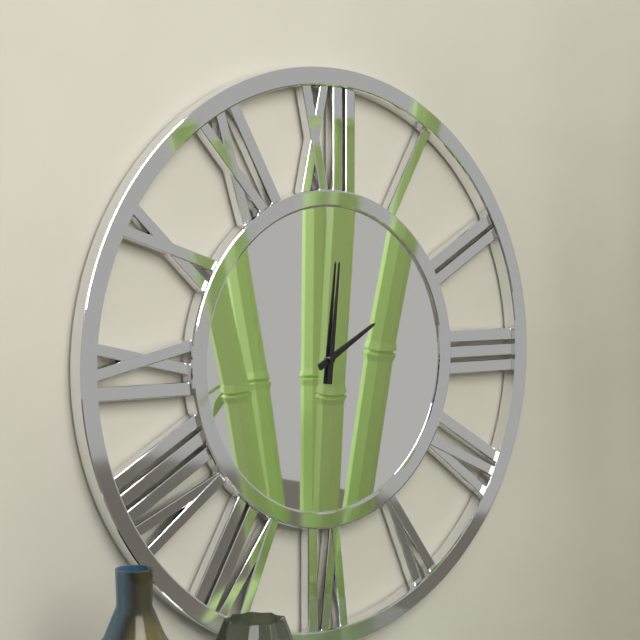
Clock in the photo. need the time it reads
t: 2:01
